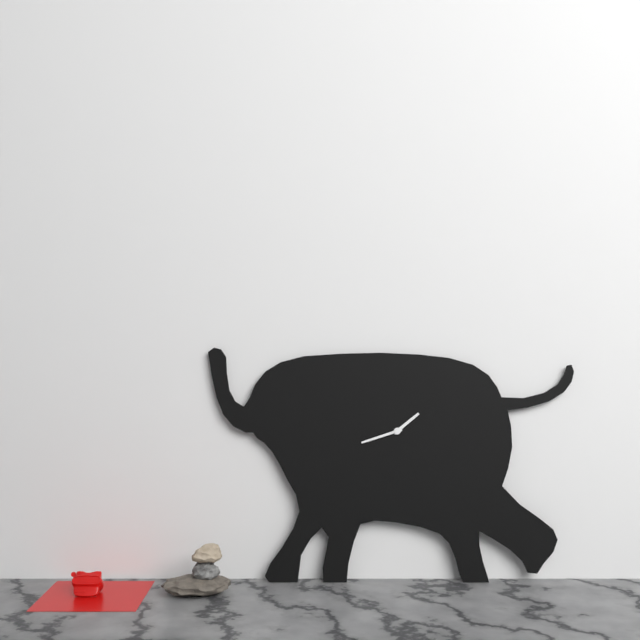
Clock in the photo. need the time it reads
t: 1:42
